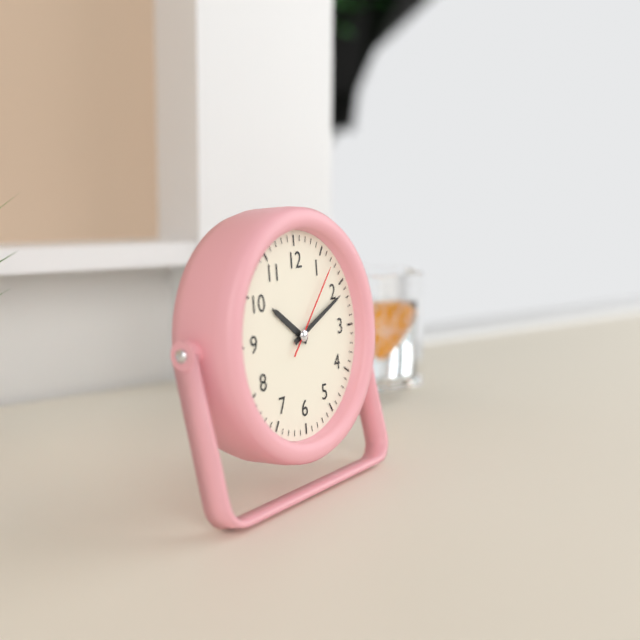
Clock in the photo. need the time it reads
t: 10:11:07
